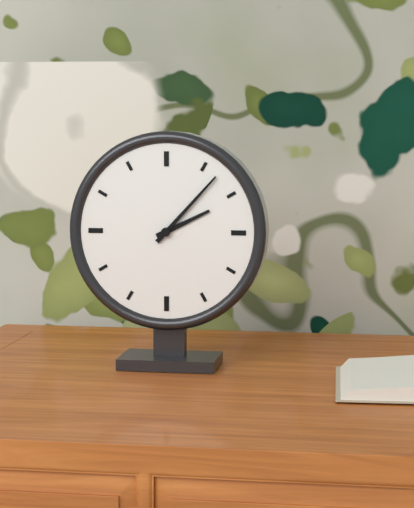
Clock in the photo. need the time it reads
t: 2:07
